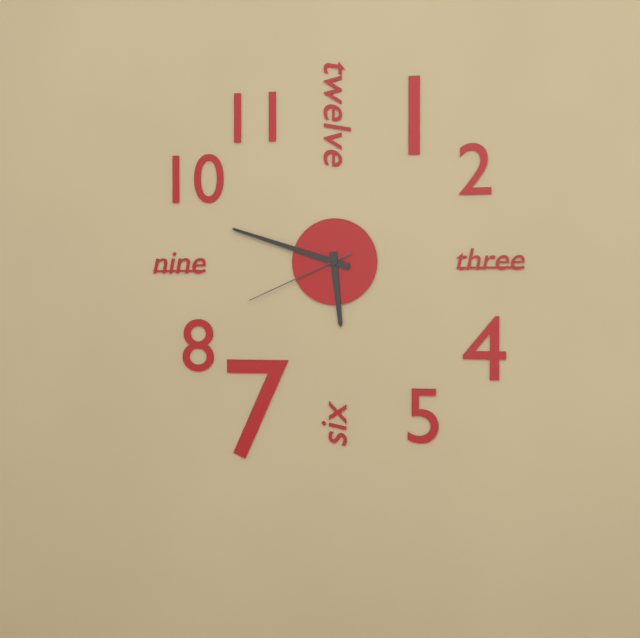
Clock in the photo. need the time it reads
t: 5:48:41
